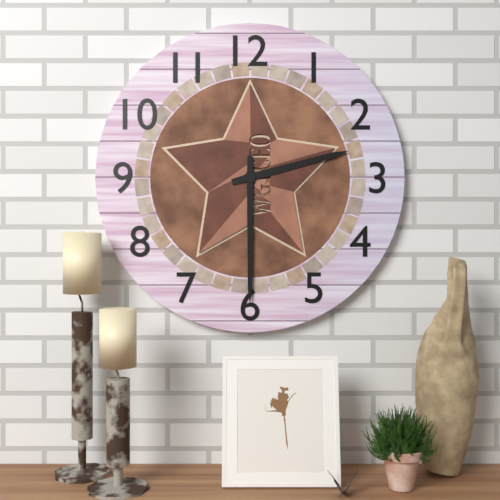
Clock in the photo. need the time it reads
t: 2:30
